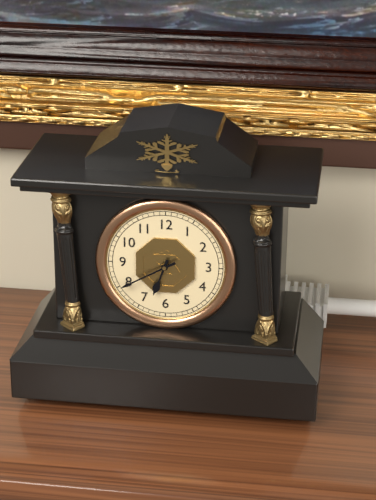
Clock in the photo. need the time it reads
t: 6:40
